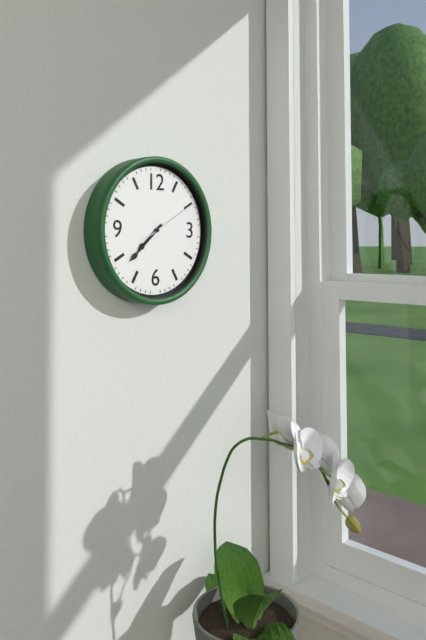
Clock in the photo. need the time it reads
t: 7:38:10
